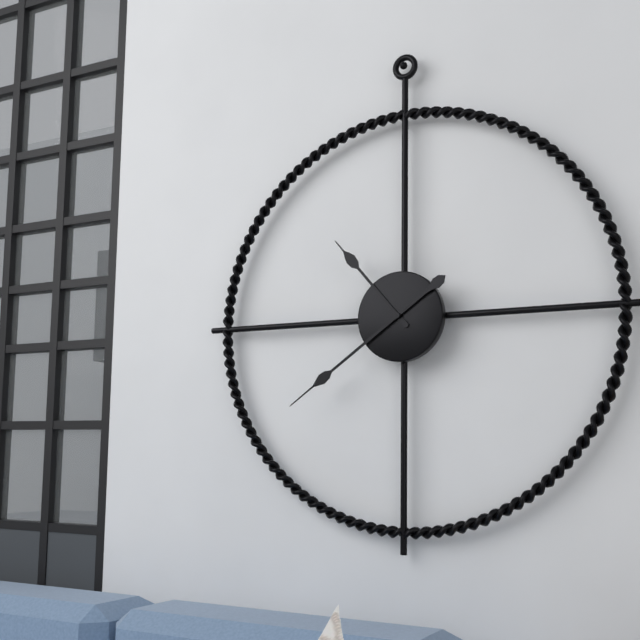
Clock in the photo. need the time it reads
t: 10:39
